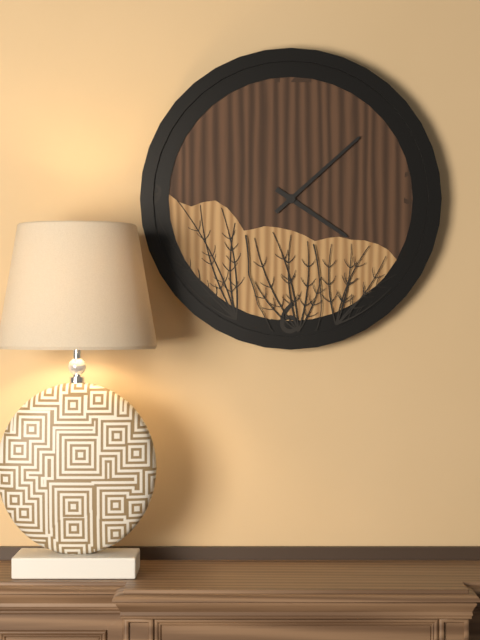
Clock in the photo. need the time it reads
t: 4:08
